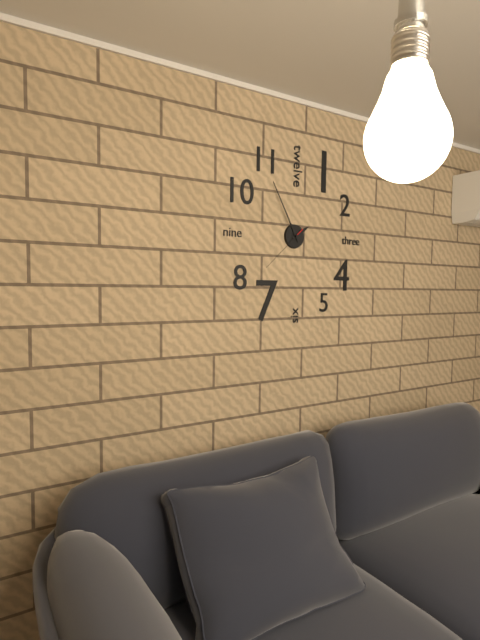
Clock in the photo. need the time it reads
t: 1:55:38
